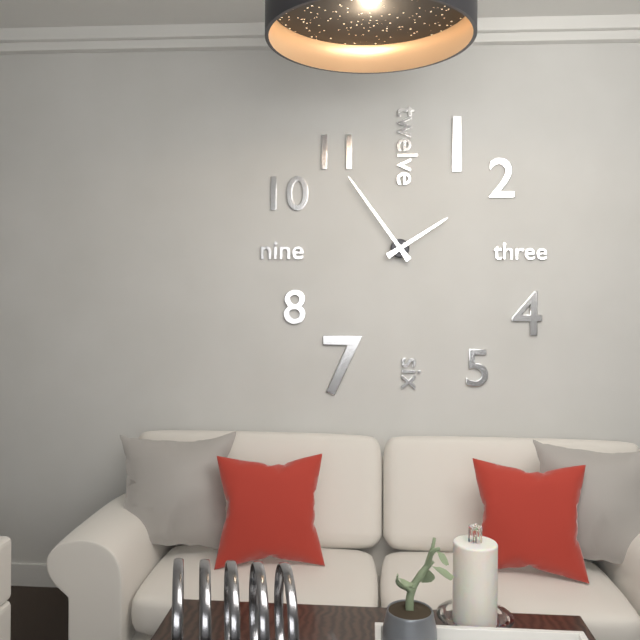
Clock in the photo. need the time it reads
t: 1:54
